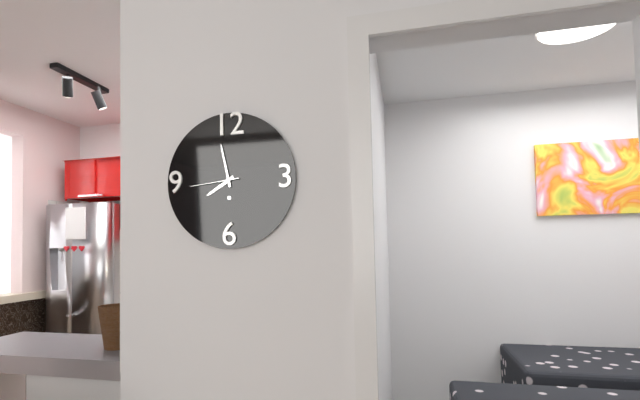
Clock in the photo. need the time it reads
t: 7:58:44
